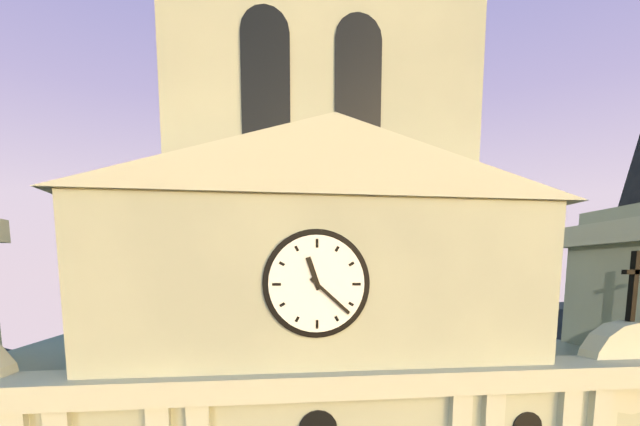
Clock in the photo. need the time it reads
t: 11:22
